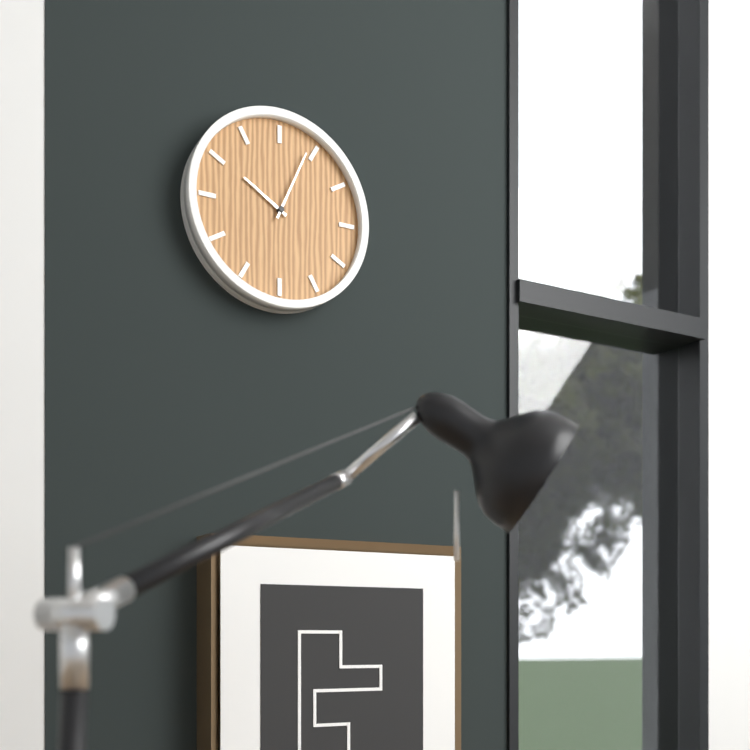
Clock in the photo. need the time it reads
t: 10:04
